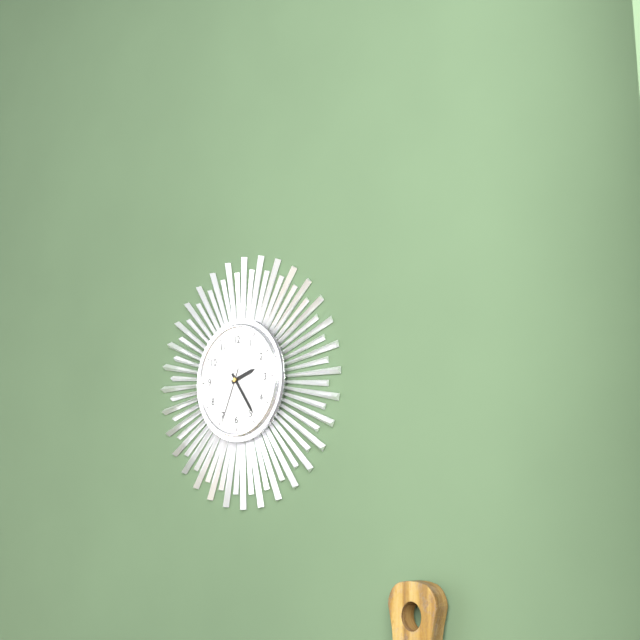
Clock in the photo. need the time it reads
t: 2:24:34
